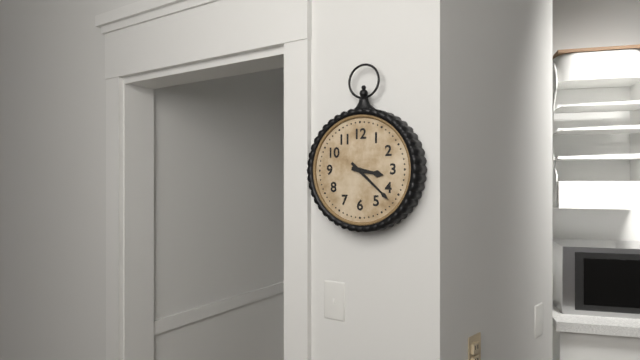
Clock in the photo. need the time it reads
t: 3:22
